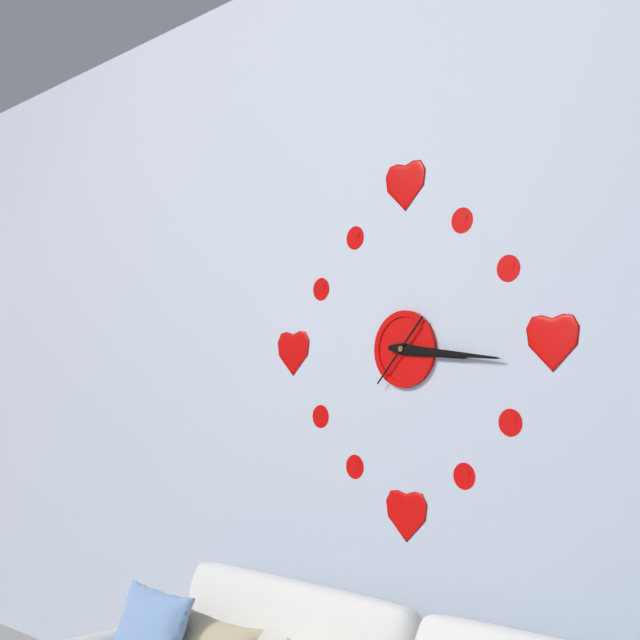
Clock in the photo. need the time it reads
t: 3:16:37
